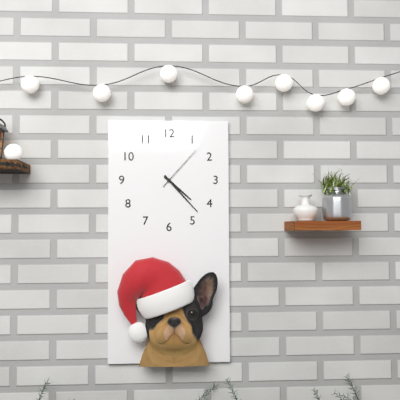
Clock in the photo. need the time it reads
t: 4:23:07
